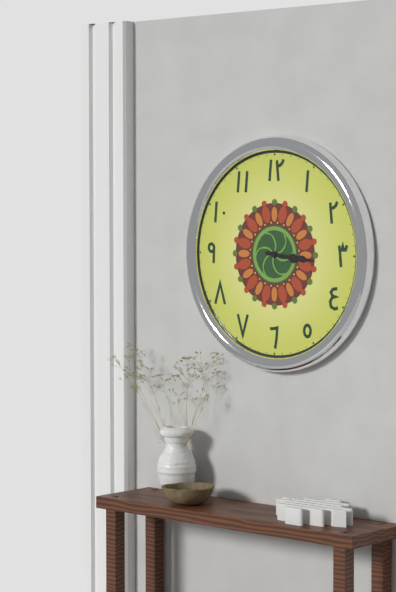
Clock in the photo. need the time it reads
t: 3:16
